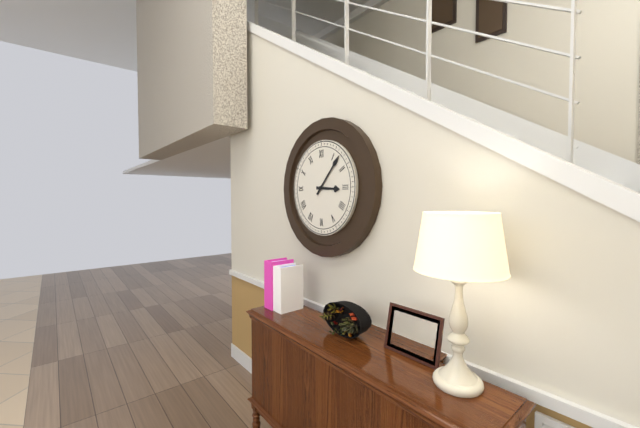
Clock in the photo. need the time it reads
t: 3:07
